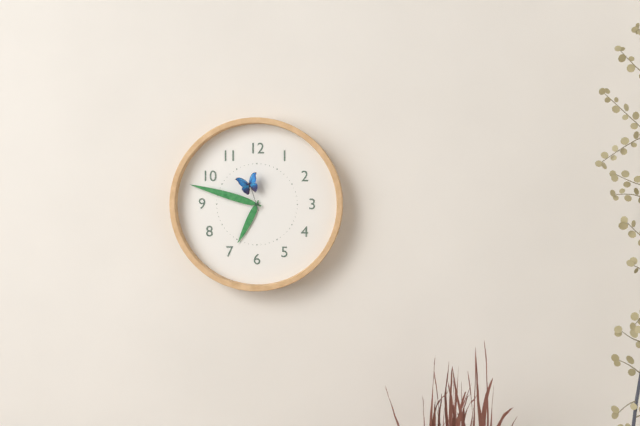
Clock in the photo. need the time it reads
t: 6:48
